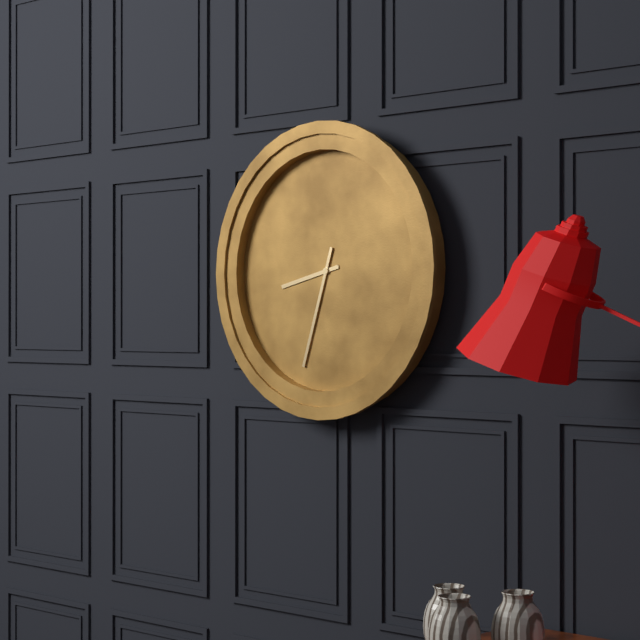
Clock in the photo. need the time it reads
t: 8:33
